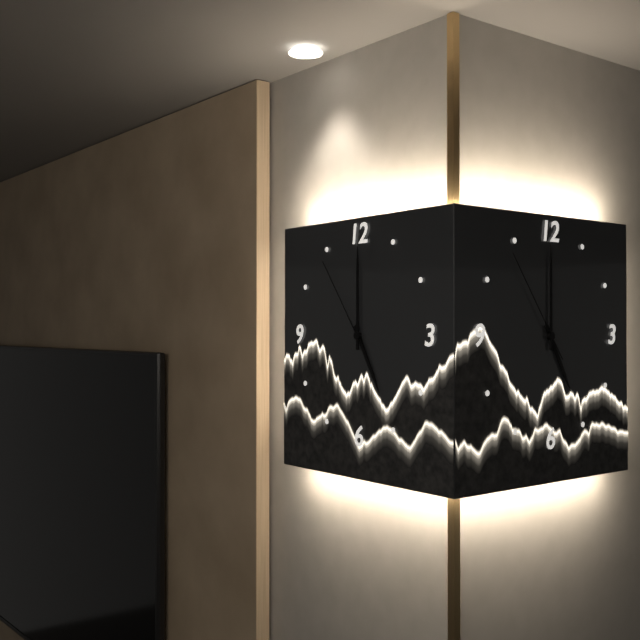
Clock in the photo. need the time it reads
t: 5:00:54
